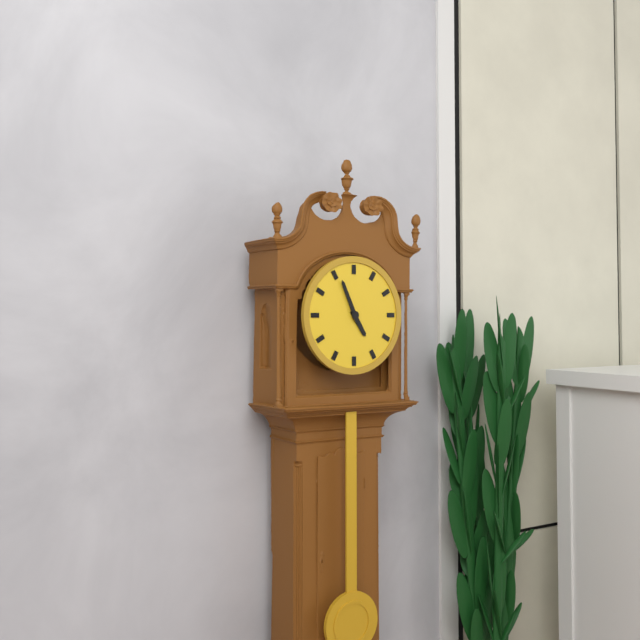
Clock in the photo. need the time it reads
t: 4:56
